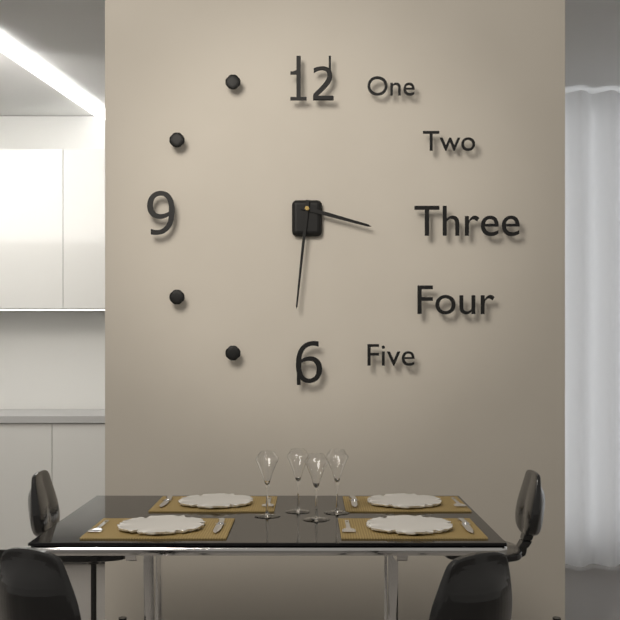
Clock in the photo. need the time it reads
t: 3:31
